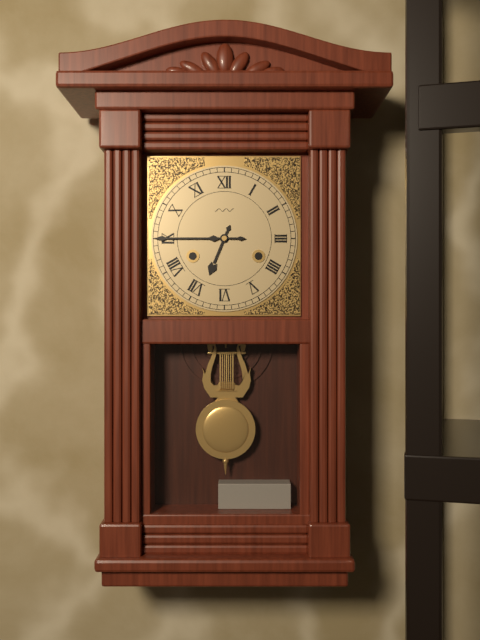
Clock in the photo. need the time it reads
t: 6:45
